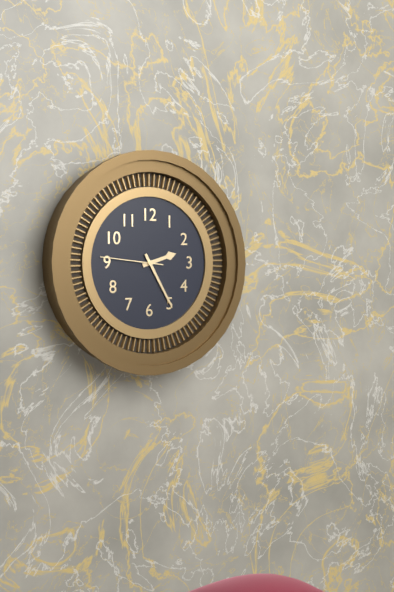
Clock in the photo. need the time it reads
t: 2:25:46
